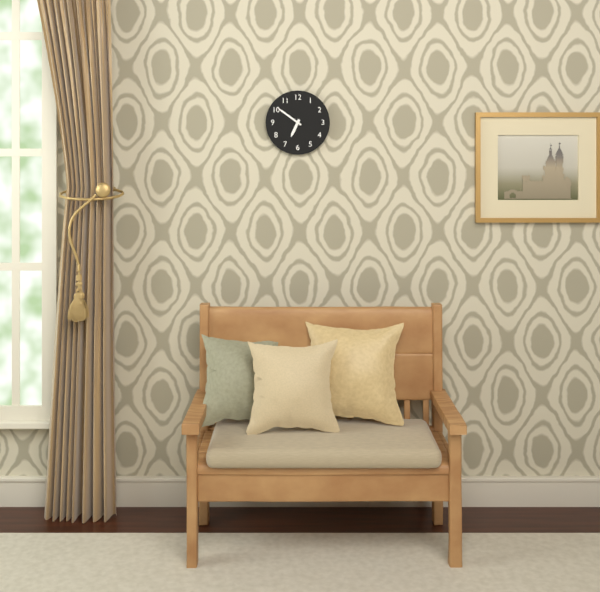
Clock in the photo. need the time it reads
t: 6:51
